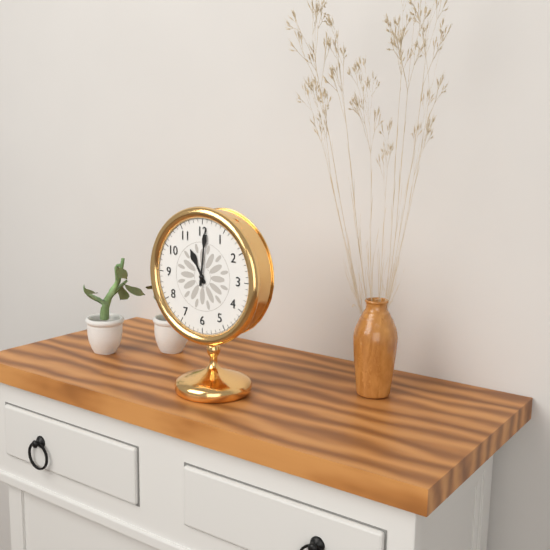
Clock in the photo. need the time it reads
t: 11:01
